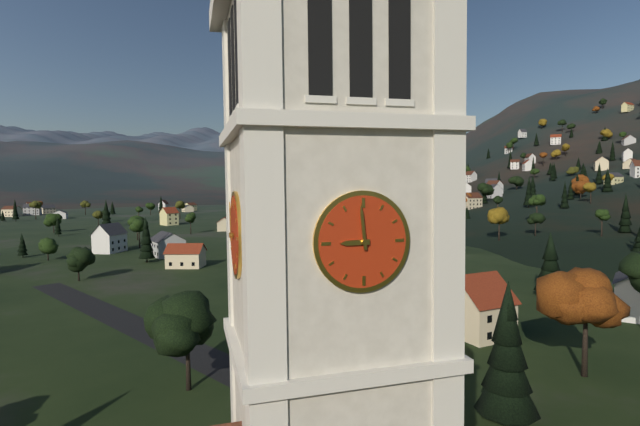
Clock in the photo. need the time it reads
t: 8:59
